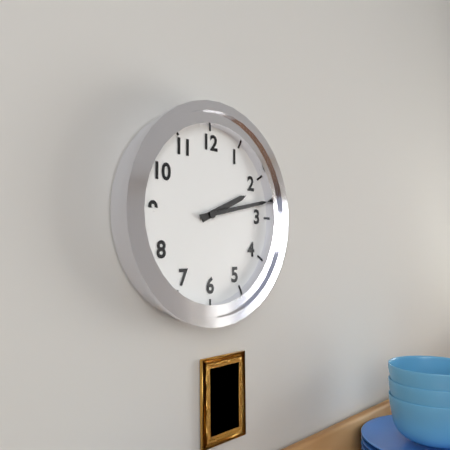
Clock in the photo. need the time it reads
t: 2:13
